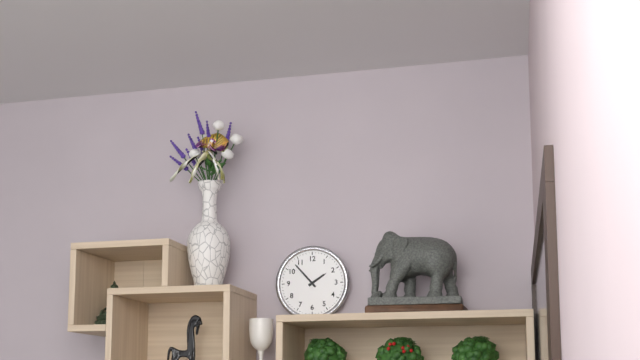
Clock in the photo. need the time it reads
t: 1:53
